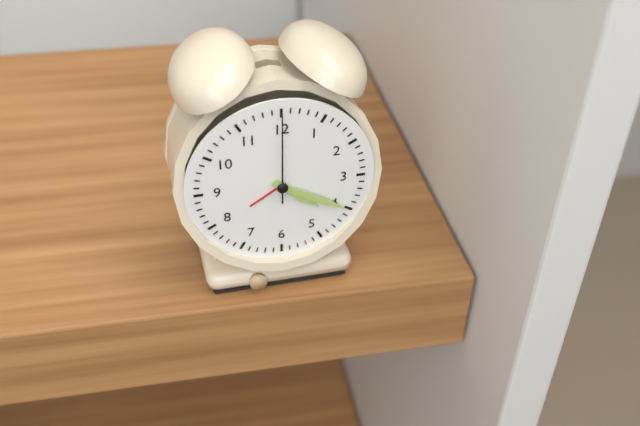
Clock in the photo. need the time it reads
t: 4:20:00
